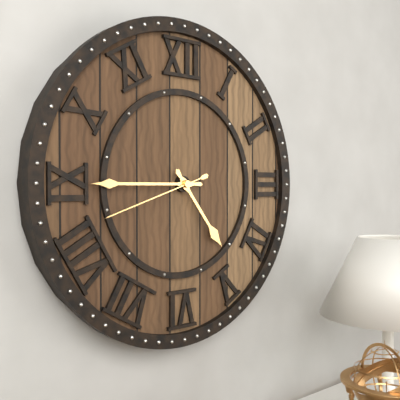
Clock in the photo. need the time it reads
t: 4:45:42
